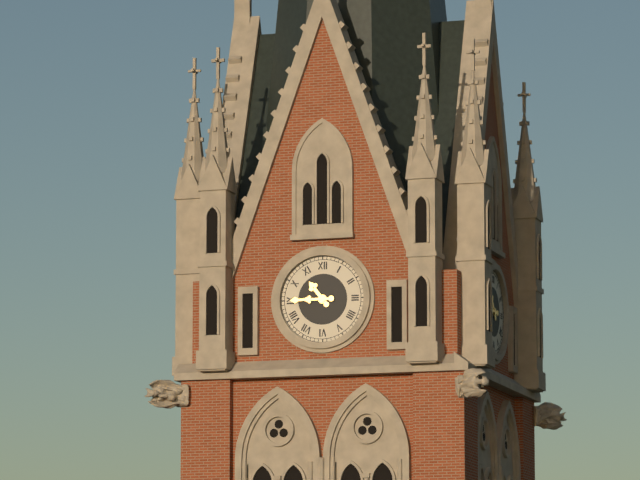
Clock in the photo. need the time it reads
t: 10:45
